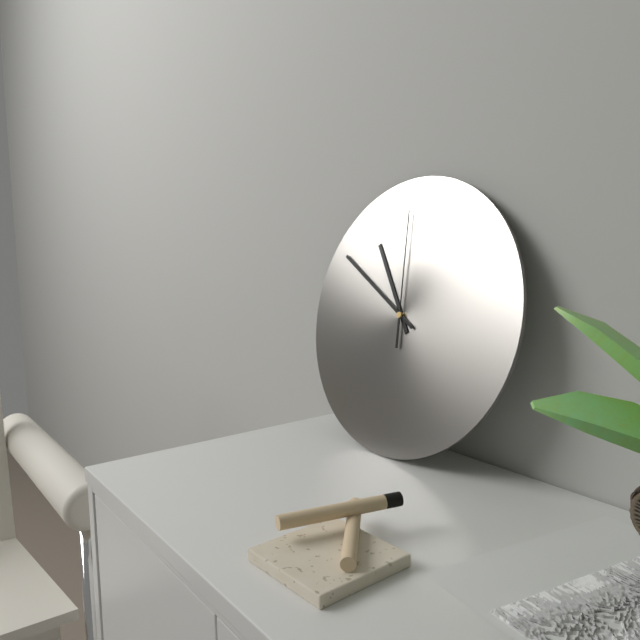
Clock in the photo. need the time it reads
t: 10:50:59
